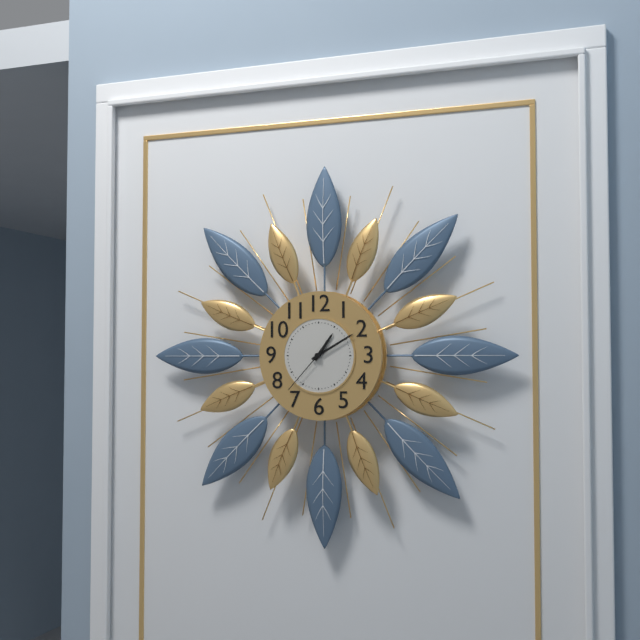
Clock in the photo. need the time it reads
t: 1:10:37
